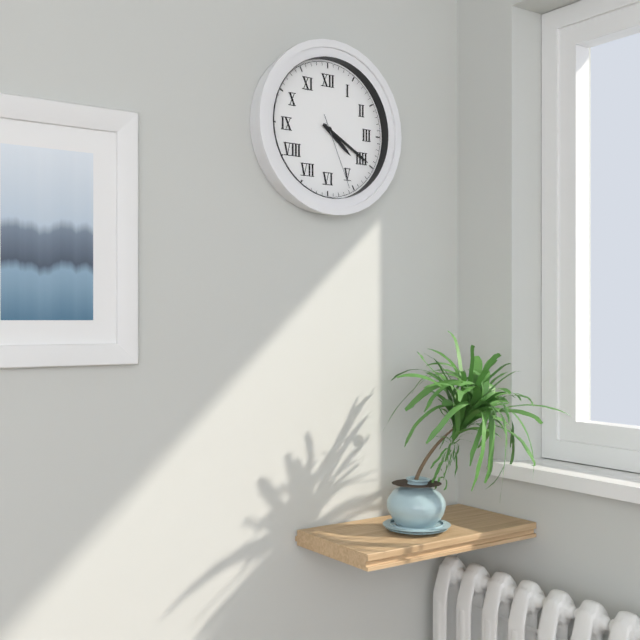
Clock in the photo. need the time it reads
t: 4:20:26
